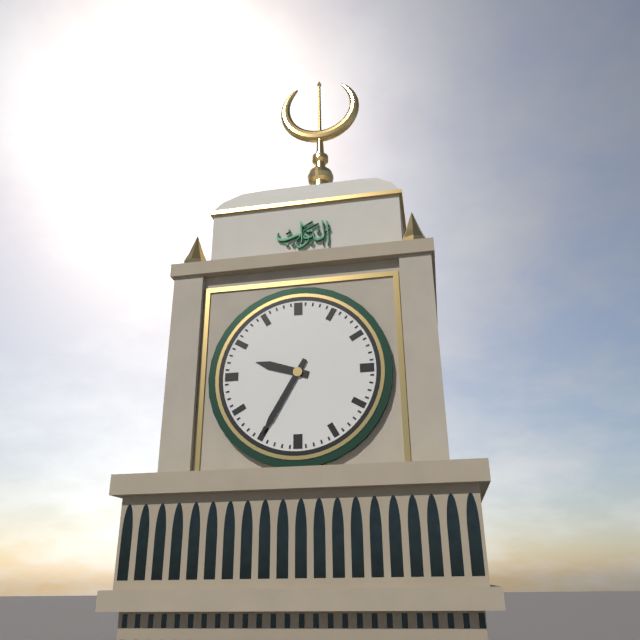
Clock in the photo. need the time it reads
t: 9:35
